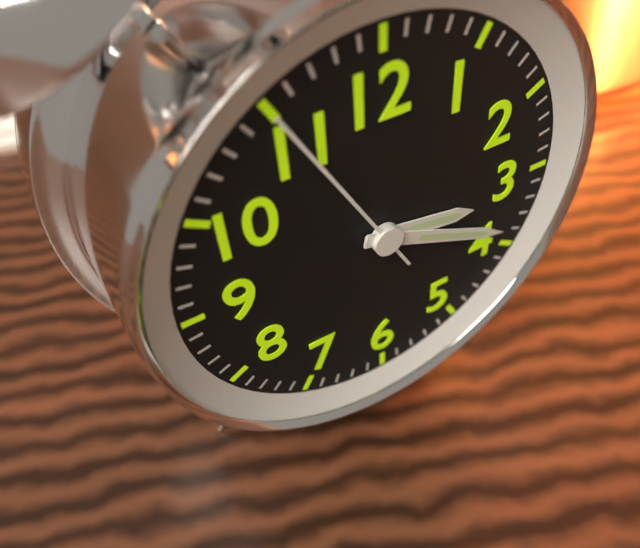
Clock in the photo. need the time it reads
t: 3:19:55
